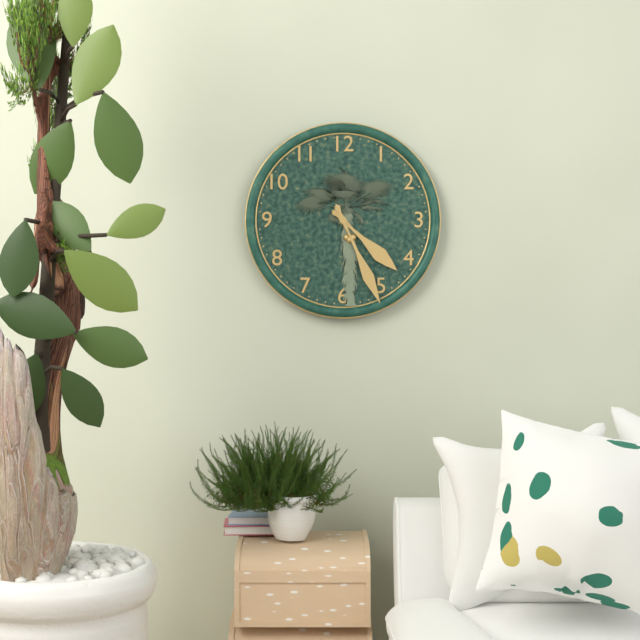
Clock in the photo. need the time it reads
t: 4:26
